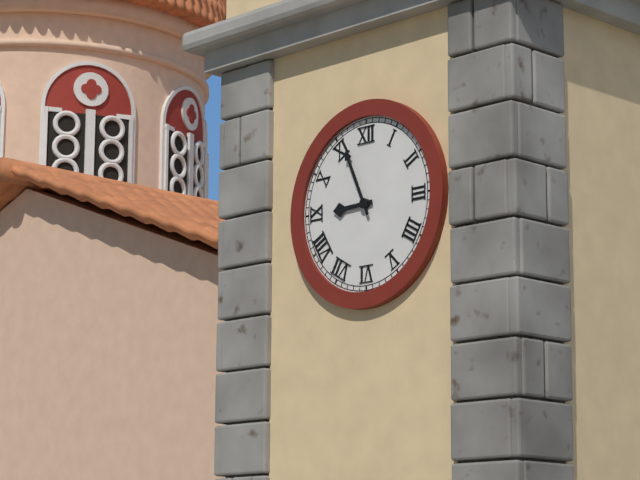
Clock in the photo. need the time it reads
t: 8:56
